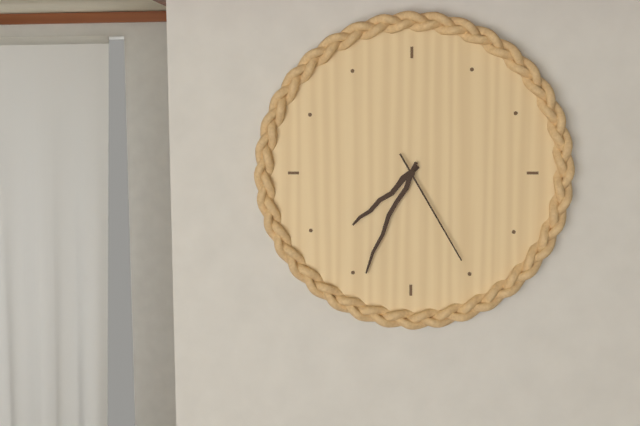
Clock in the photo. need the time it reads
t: 7:34:25
